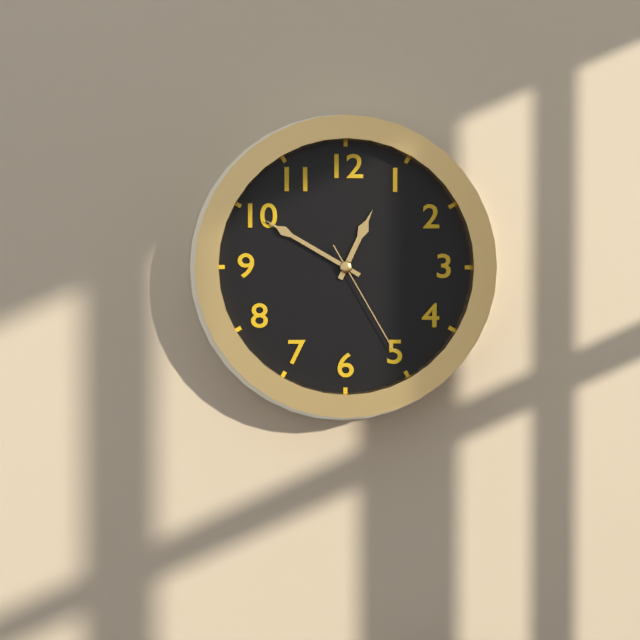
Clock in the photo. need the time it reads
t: 12:50:25
